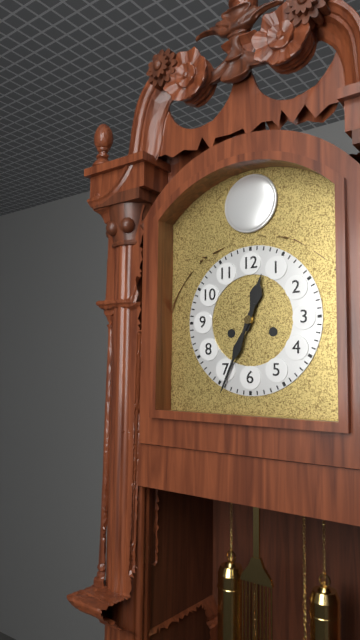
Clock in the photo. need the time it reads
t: 12:34
